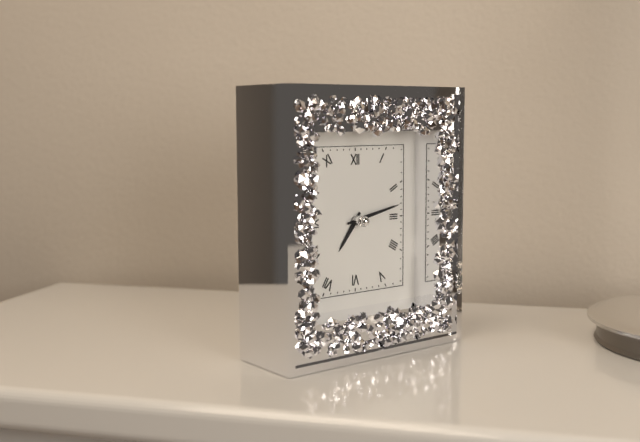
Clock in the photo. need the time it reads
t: 7:13
